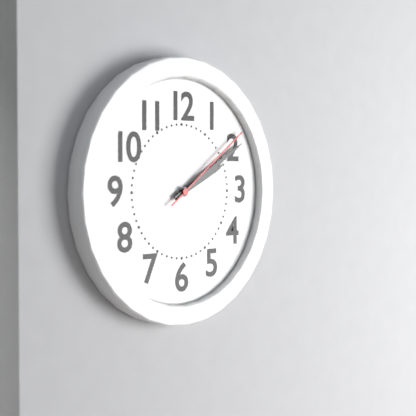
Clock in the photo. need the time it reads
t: 2:10:09
